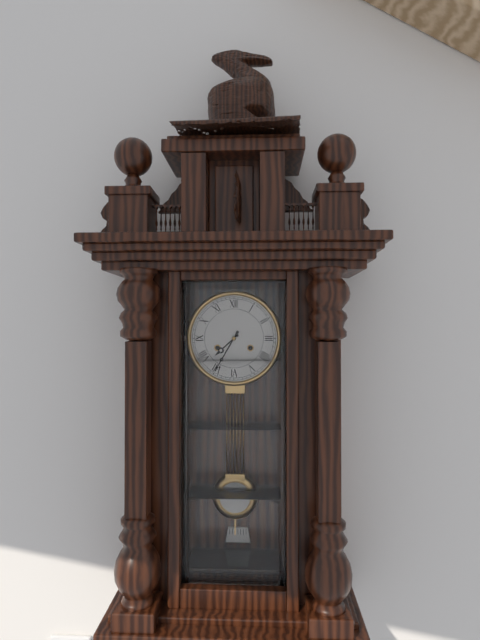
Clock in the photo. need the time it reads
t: 7:35
